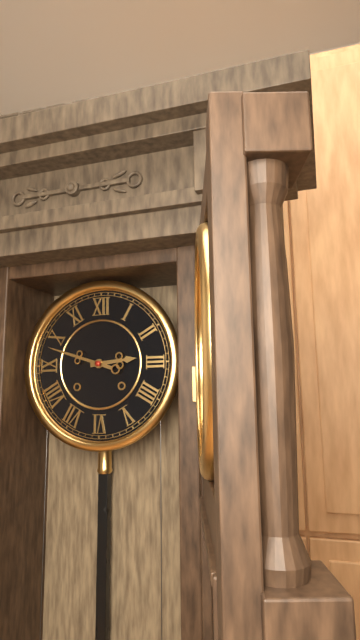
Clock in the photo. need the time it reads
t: 2:48
